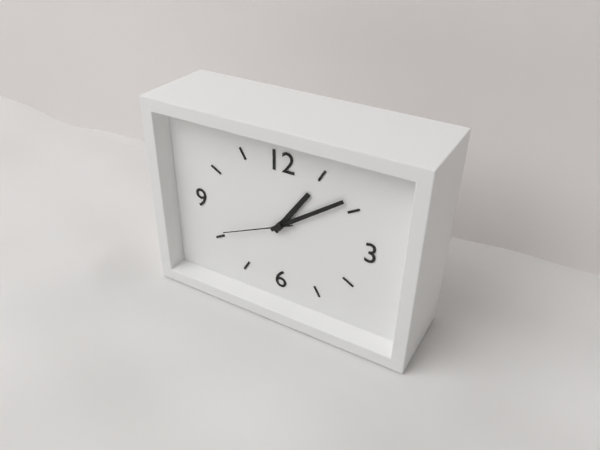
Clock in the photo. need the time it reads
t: 1:09:41
